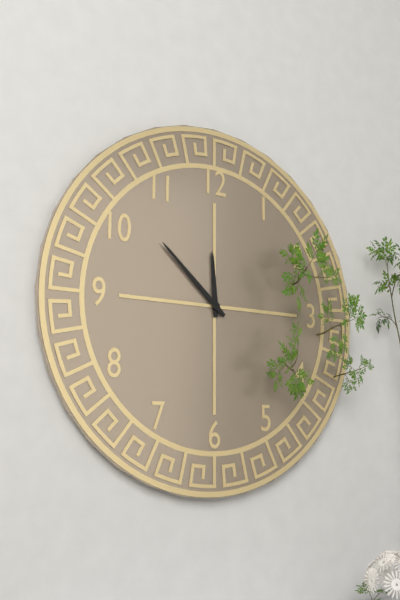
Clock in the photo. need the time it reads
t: 11:52
